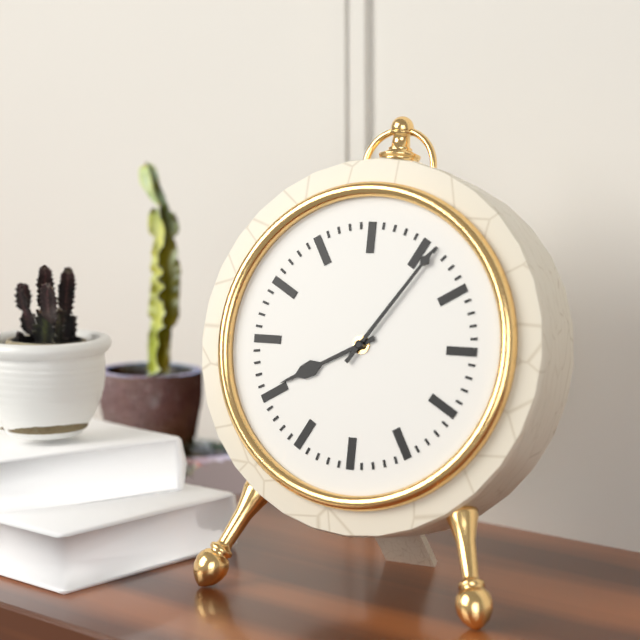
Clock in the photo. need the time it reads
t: 8:06
